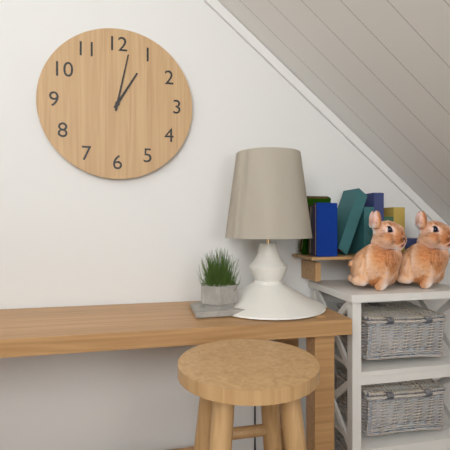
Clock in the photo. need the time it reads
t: 1:02
